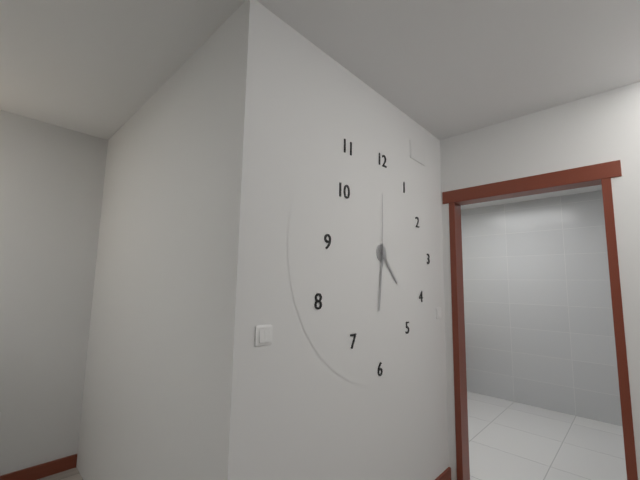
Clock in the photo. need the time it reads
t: 4:31:00
